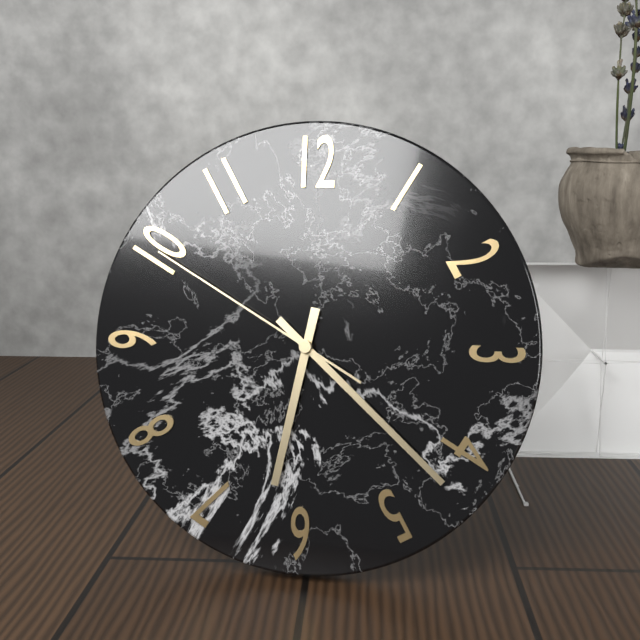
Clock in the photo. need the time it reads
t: 6:22:50
